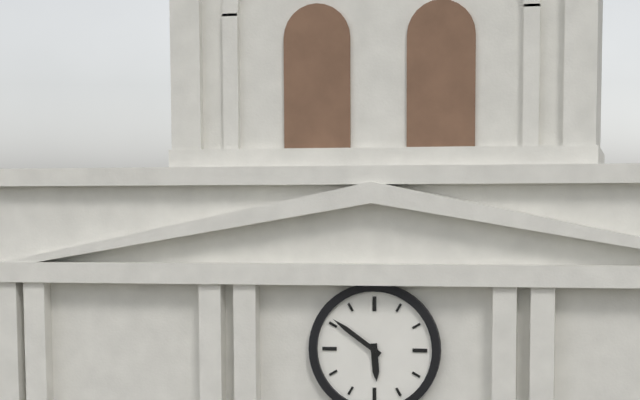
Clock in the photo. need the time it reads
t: 5:51
